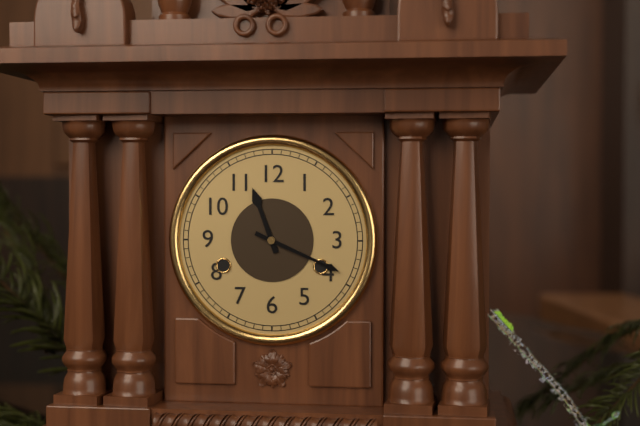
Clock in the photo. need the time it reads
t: 11:19
